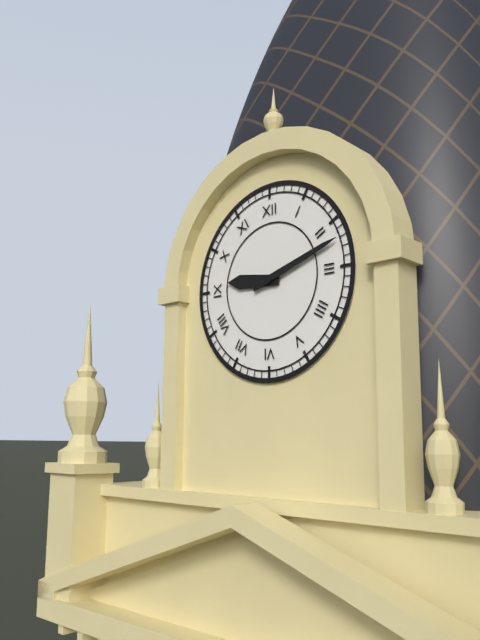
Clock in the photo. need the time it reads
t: 9:12
